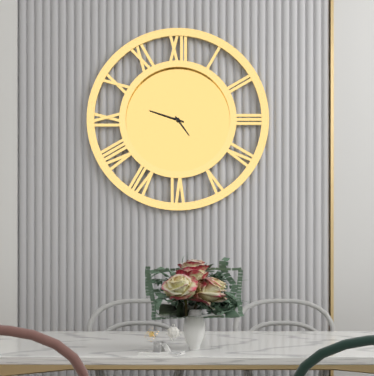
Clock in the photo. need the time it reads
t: 4:48
